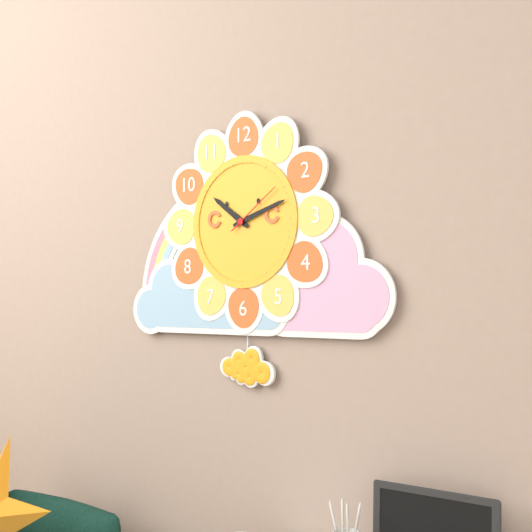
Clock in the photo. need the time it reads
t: 10:12:09
